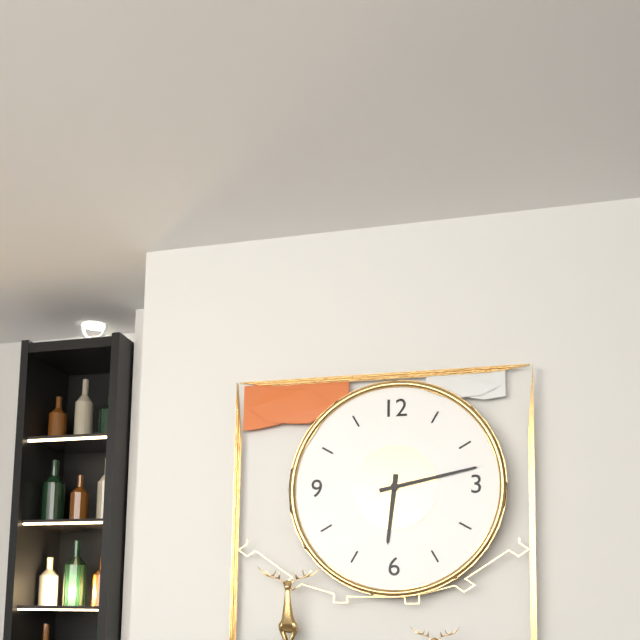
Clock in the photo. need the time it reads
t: 6:13
